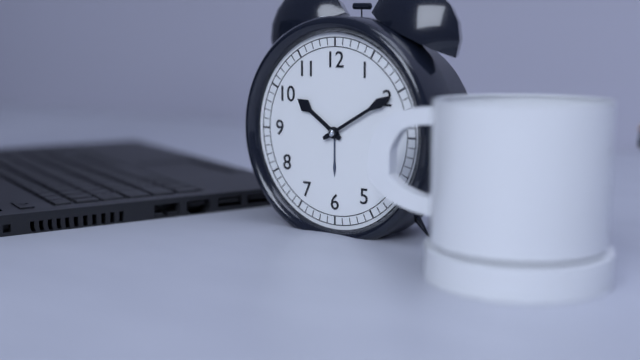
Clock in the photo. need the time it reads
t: 10:10
